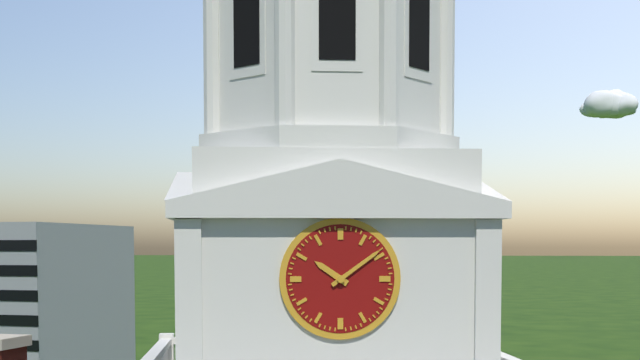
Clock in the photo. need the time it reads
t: 10:09
